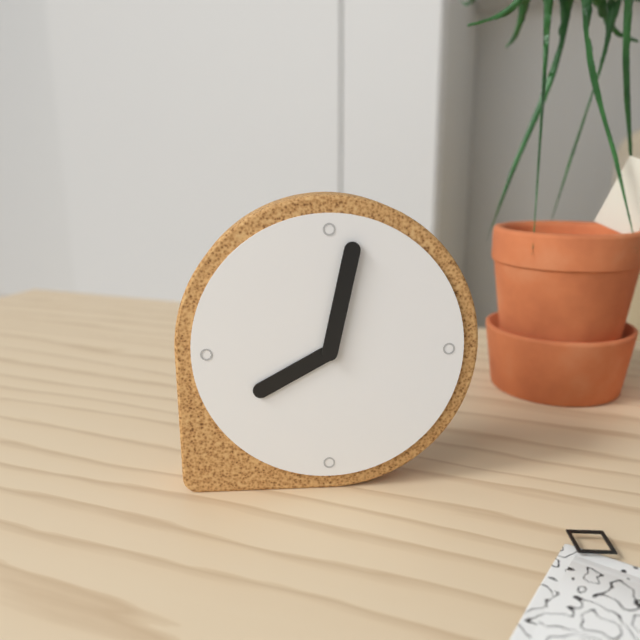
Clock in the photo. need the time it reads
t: 8:02
